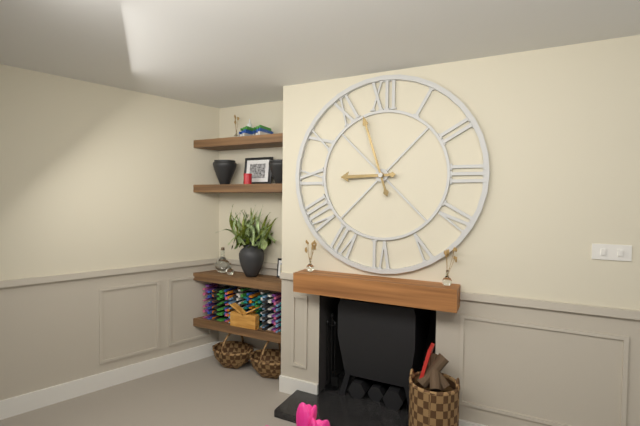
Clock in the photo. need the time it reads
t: 8:57
